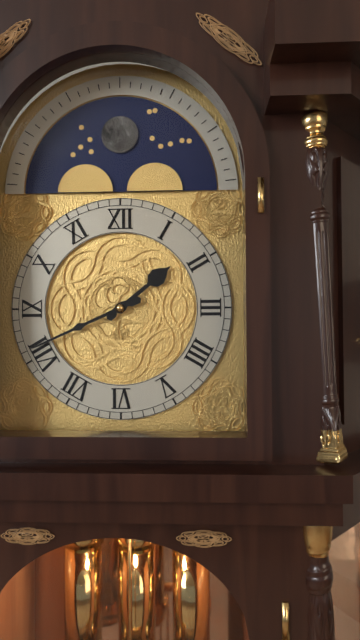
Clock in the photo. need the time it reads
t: 1:41
